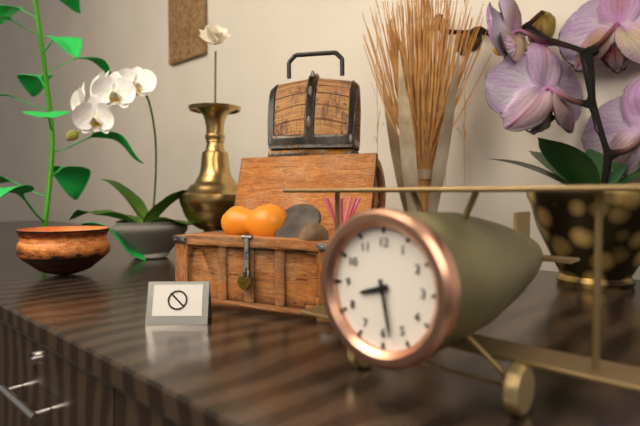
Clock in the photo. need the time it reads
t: 8:28
